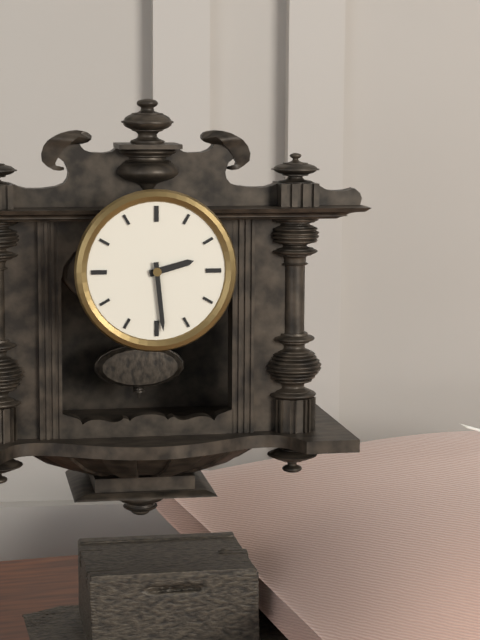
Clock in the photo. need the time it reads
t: 2:29
